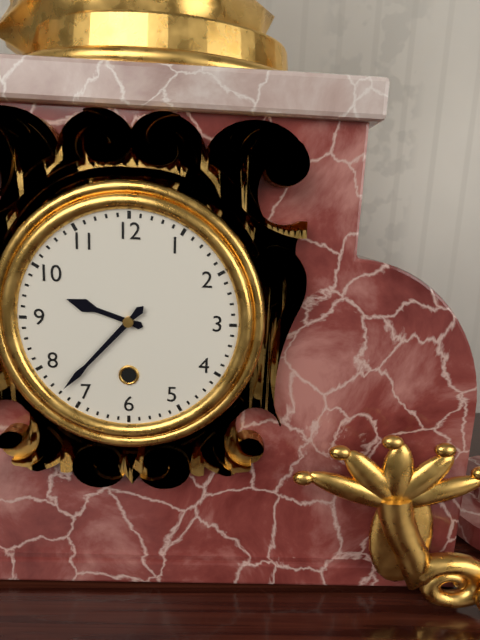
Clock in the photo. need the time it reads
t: 9:37
